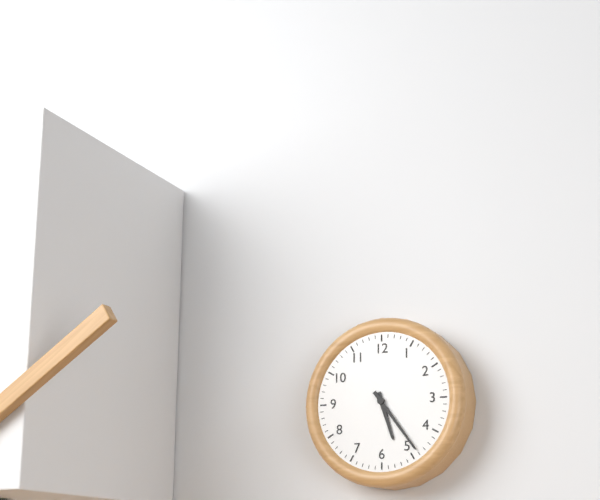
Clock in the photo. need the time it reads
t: 5:24
